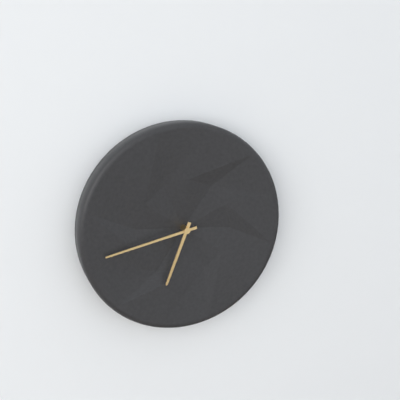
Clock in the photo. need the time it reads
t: 6:43
